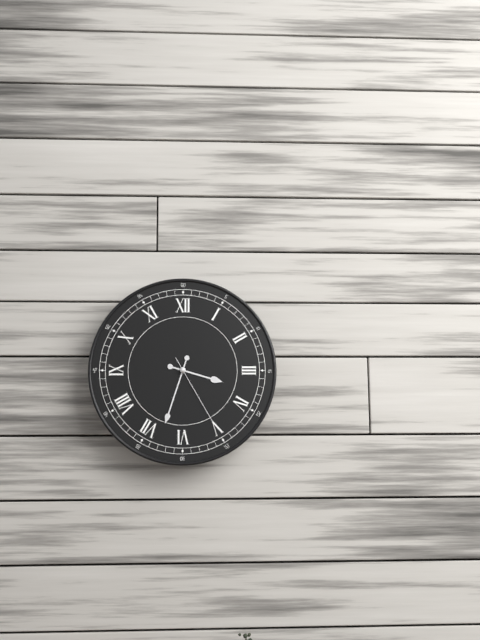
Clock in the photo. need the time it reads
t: 3:33:25
